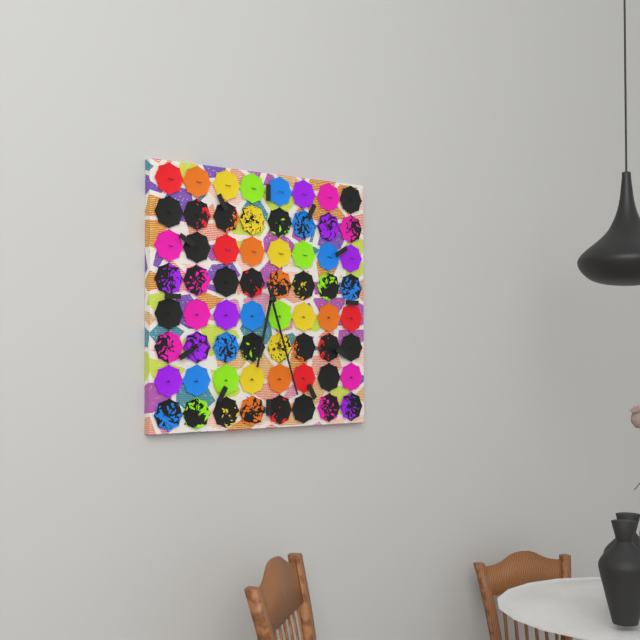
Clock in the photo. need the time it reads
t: 6:27
